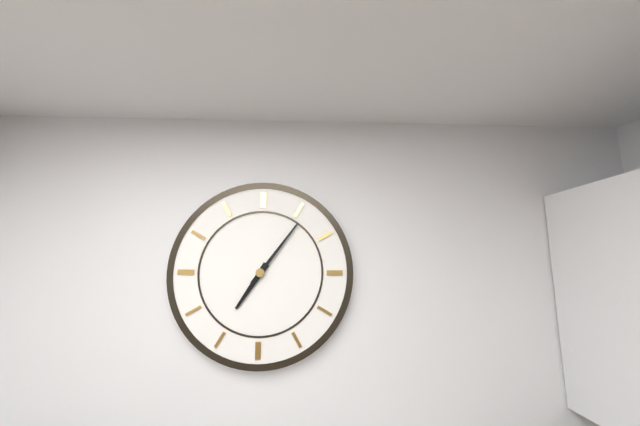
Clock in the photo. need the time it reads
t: 7:06
